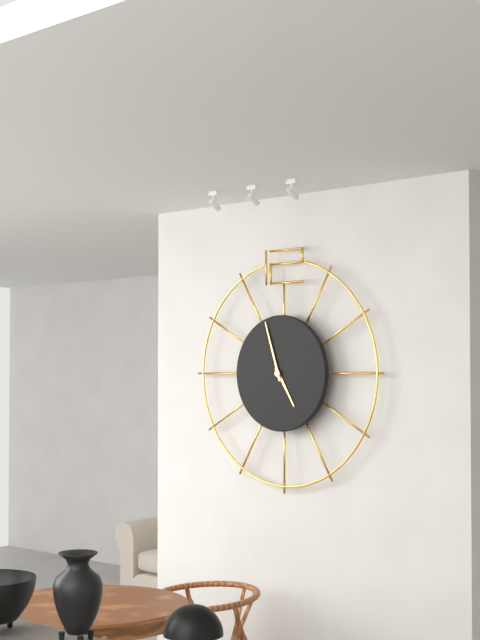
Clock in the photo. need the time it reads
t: 4:57
